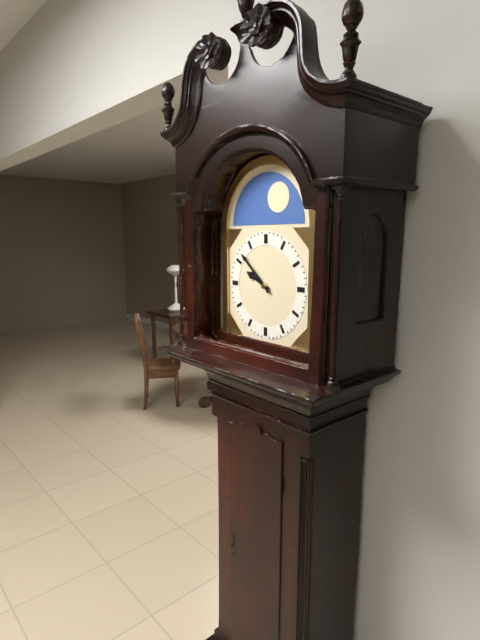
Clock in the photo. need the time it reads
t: 9:52
